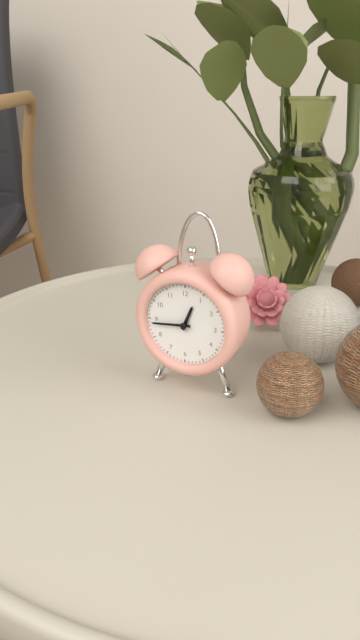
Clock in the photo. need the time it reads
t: 12:44
